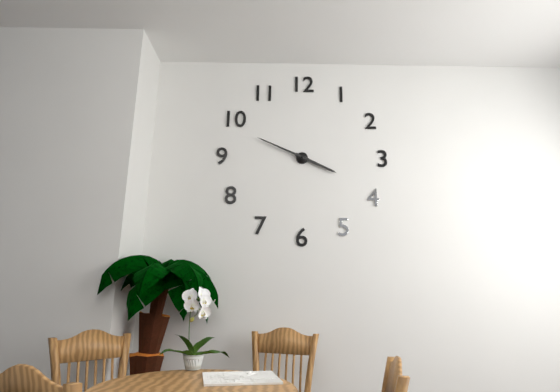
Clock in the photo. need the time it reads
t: 3:49
